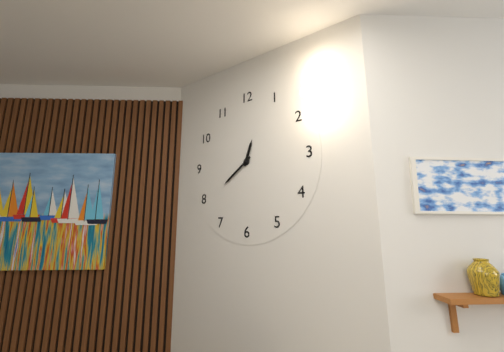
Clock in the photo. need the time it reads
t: 12:39
